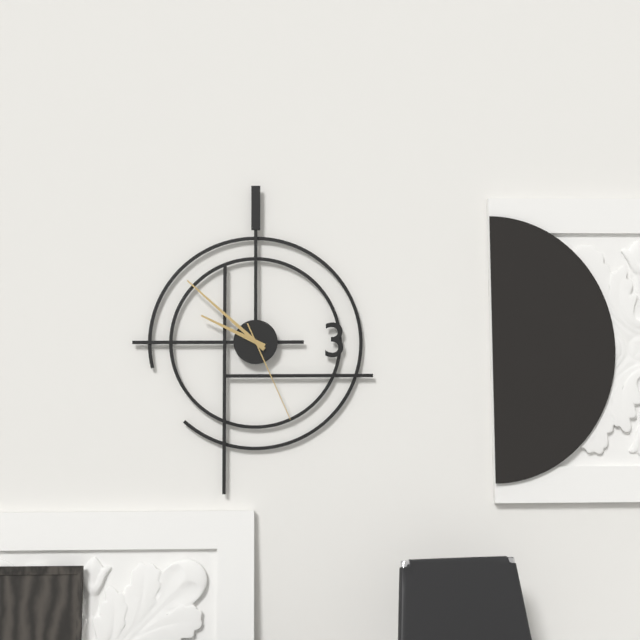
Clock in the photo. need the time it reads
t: 9:52:26
